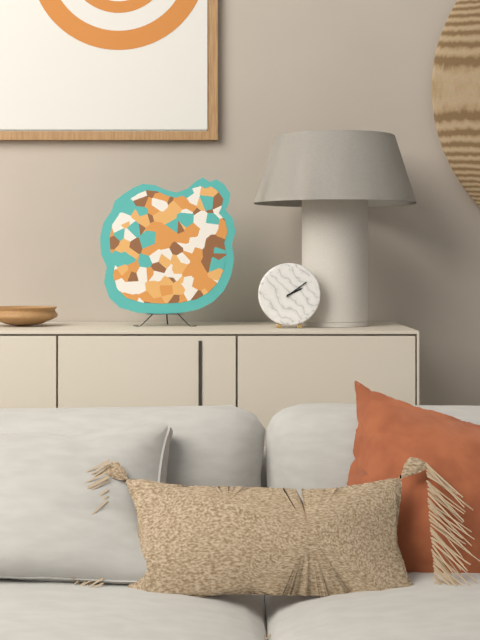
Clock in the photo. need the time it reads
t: 2:09
